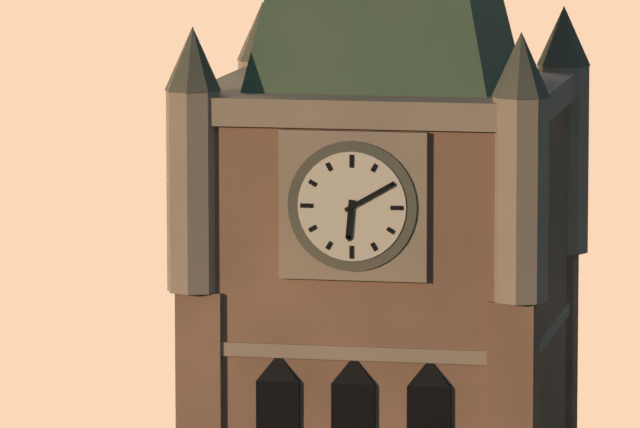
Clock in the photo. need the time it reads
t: 6:10
